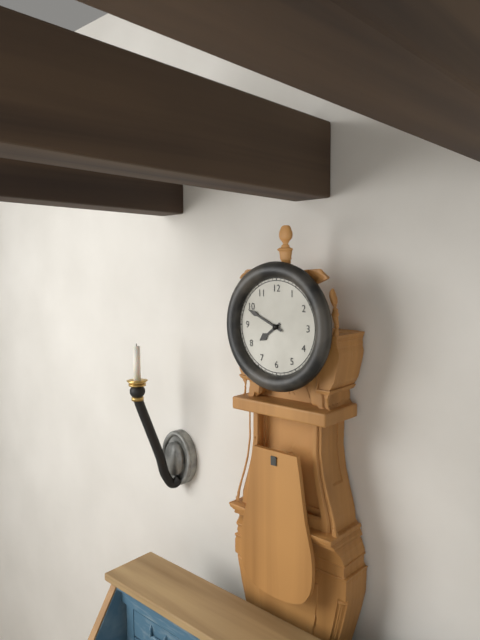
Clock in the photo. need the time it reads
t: 7:49
